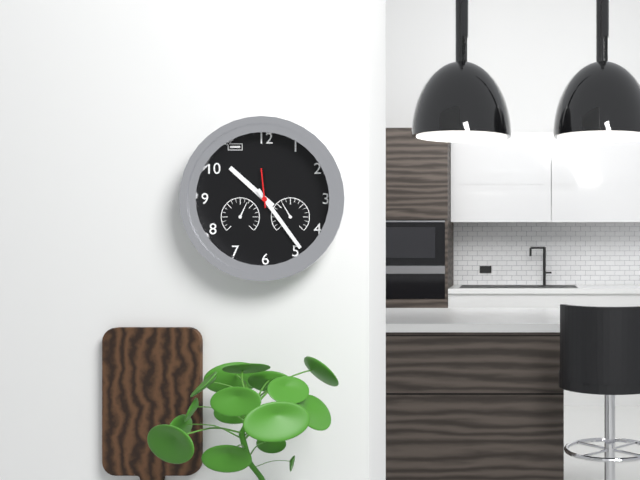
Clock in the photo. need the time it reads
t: 10:24
